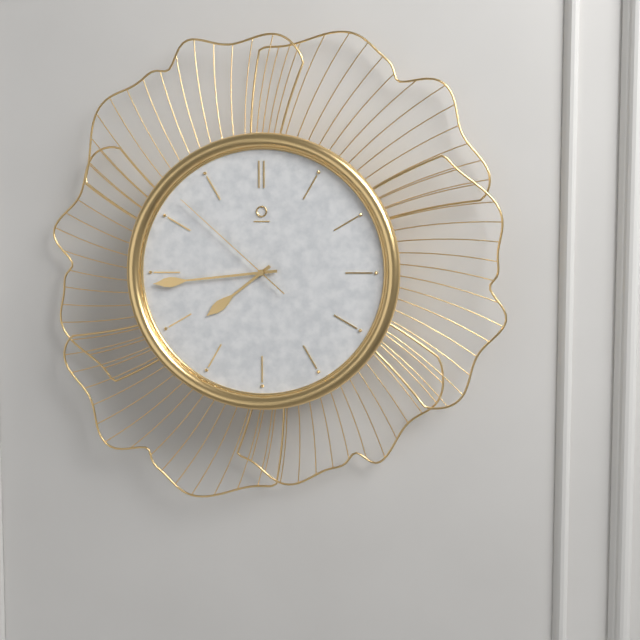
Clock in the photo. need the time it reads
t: 7:44:52
